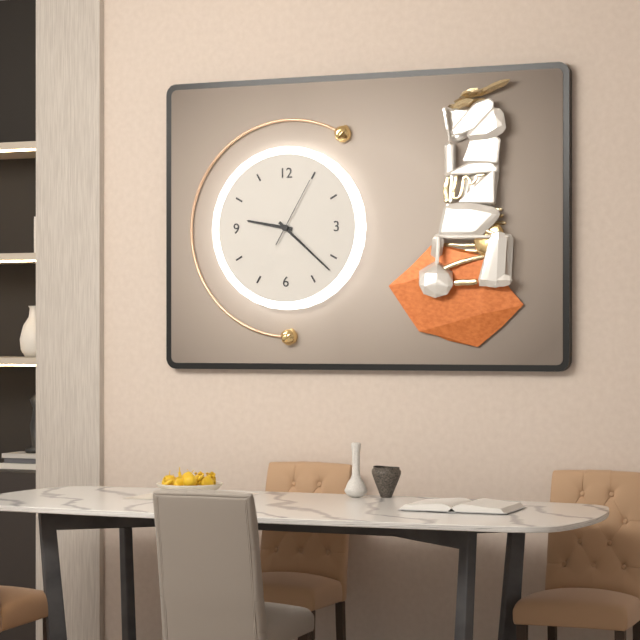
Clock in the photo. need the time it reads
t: 9:22:05
